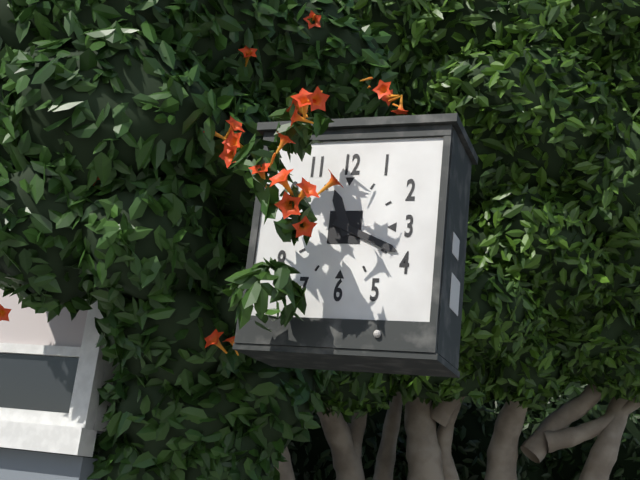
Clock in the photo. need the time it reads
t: 11:19
